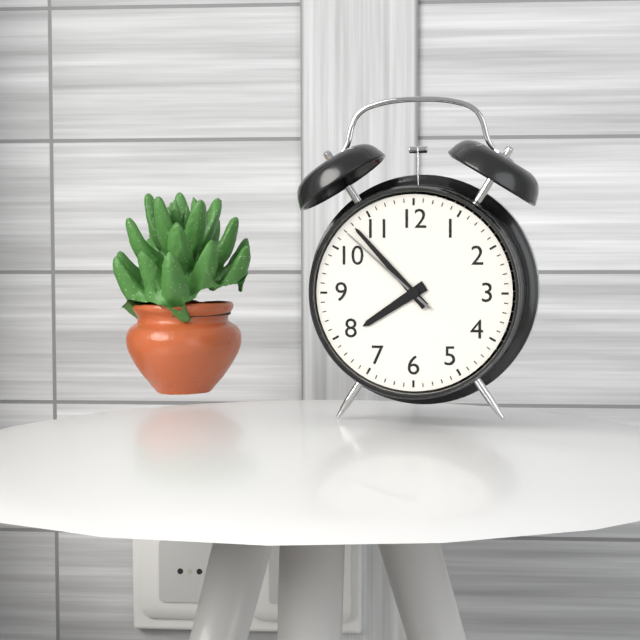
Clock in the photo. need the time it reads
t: 7:53:52
